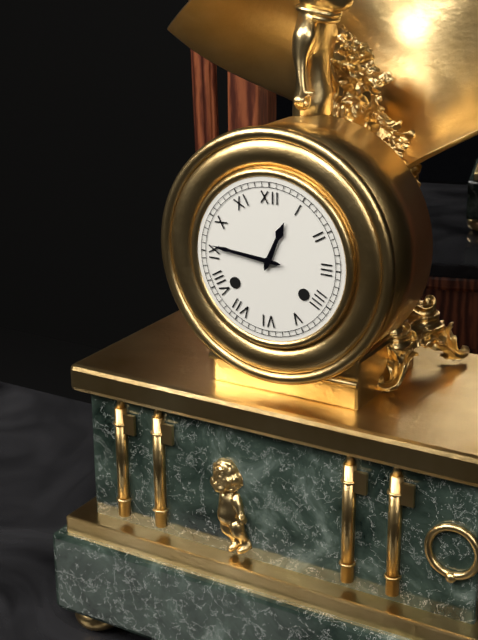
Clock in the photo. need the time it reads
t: 12:46
